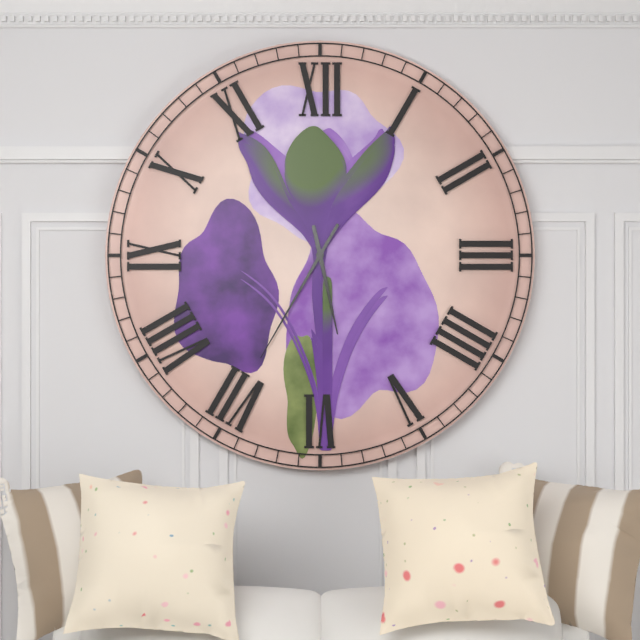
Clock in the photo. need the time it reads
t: 5:35
